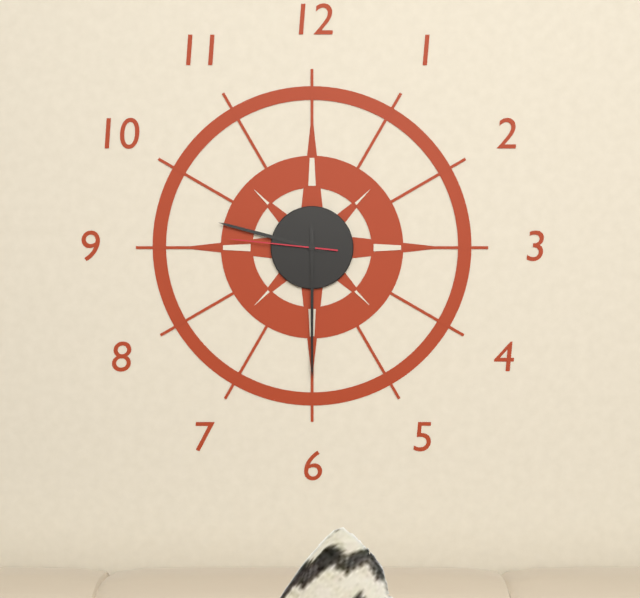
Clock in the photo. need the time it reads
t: 9:30:46
